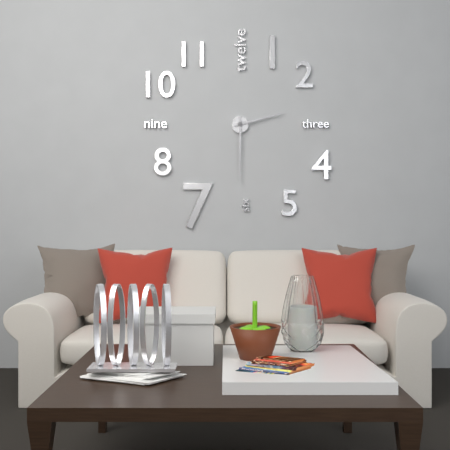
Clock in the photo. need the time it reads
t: 2:30
